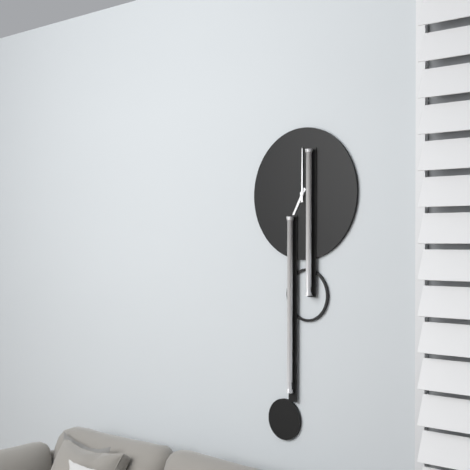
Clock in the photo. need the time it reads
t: 7:00
